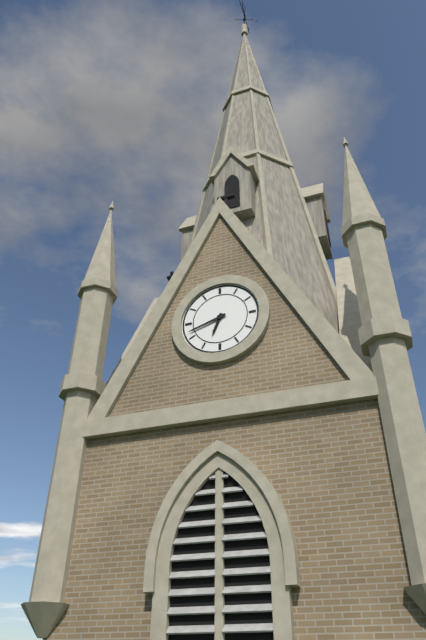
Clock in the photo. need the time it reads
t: 6:42
